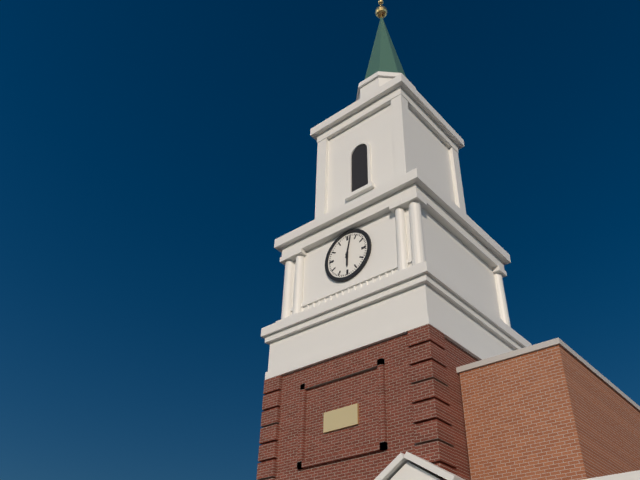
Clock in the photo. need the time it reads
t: 6:02
